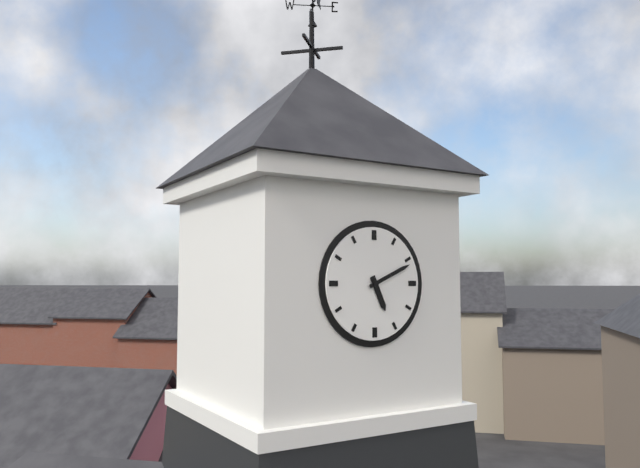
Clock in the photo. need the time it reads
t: 5:11
